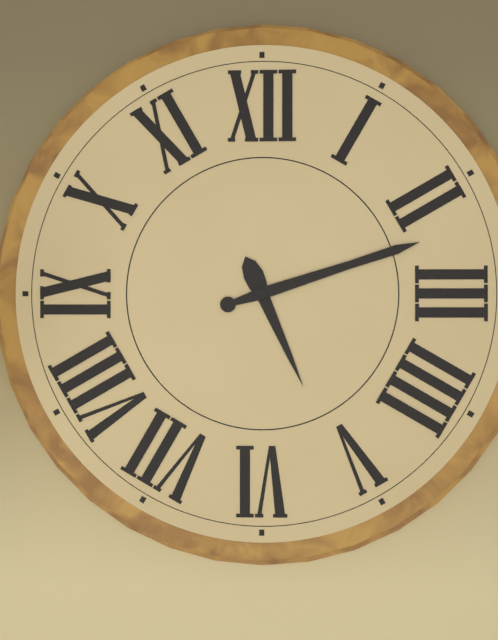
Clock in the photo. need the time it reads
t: 5:12
